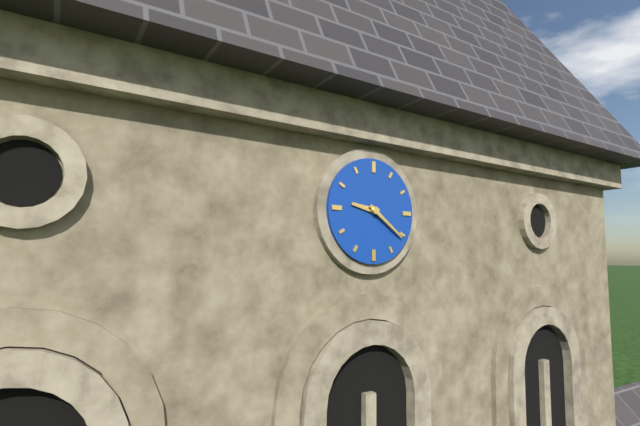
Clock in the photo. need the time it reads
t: 9:21
